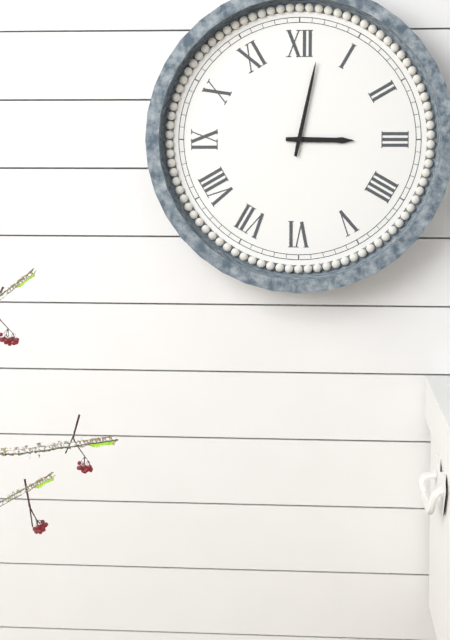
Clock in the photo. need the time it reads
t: 3:02
